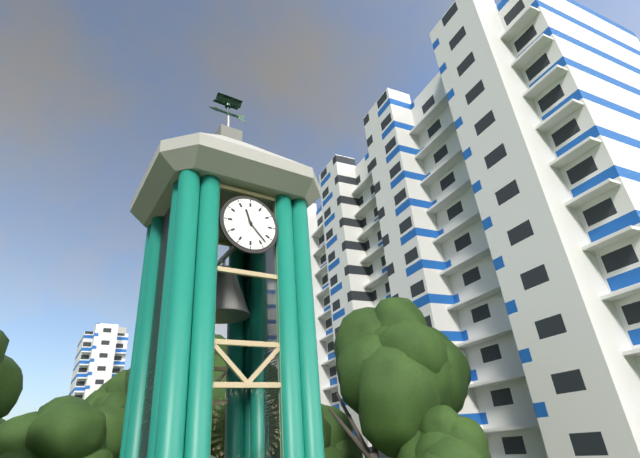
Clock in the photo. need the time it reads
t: 11:23
